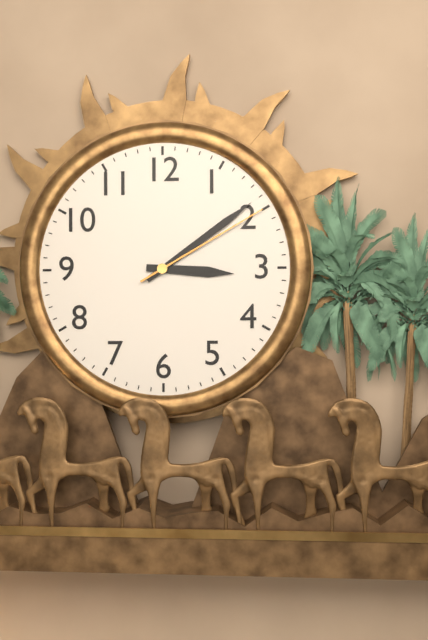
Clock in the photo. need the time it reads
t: 3:09:10
